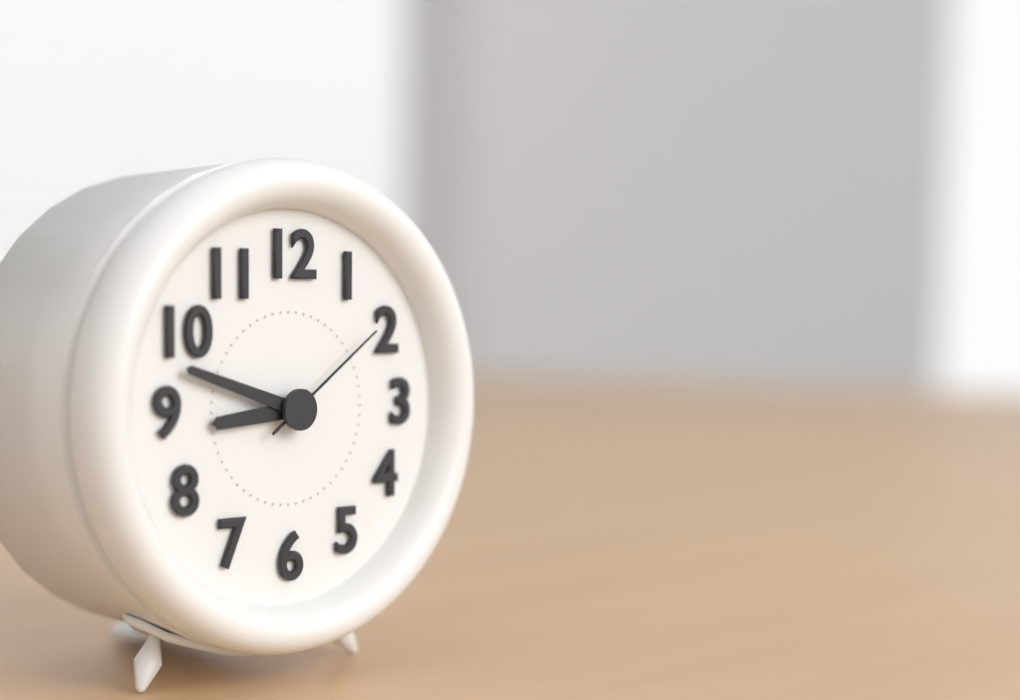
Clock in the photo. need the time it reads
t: 8:48:09
